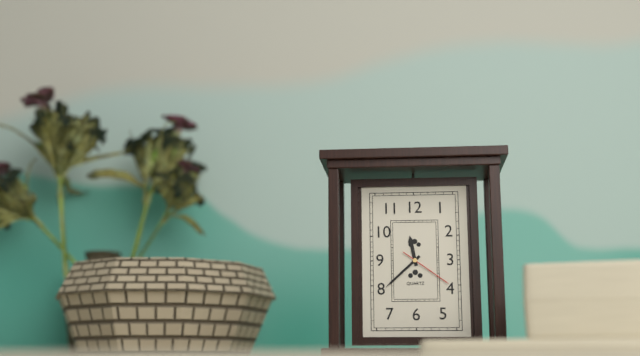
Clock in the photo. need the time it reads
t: 11:38:21
